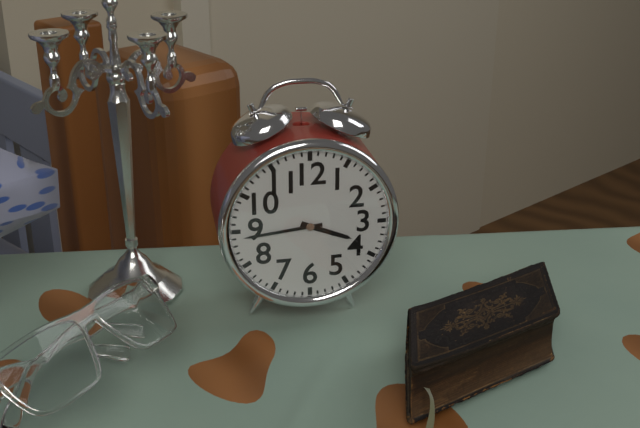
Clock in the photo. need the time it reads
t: 3:44
